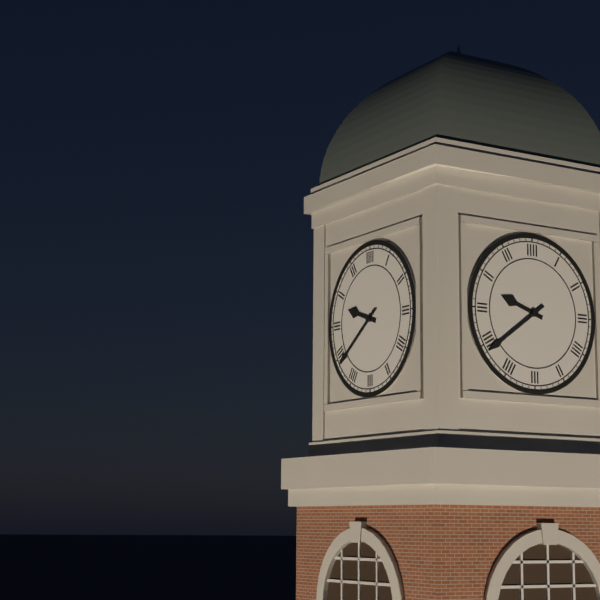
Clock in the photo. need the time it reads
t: 9:39
